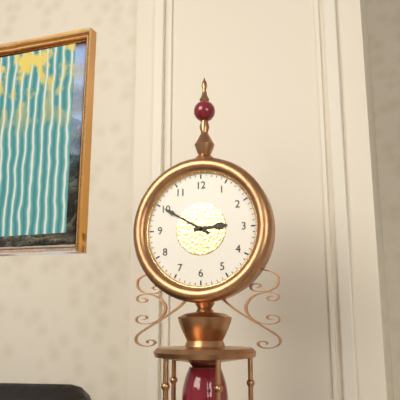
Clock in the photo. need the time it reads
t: 2:50
